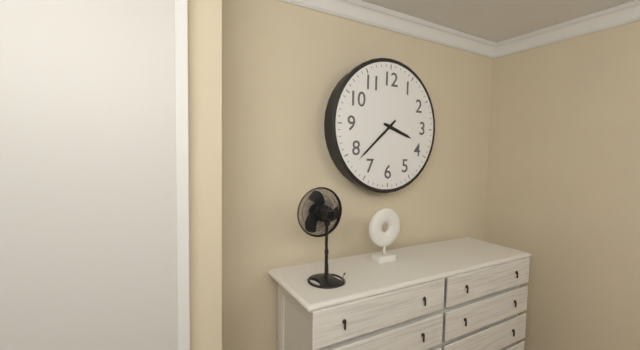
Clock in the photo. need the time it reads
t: 3:38
